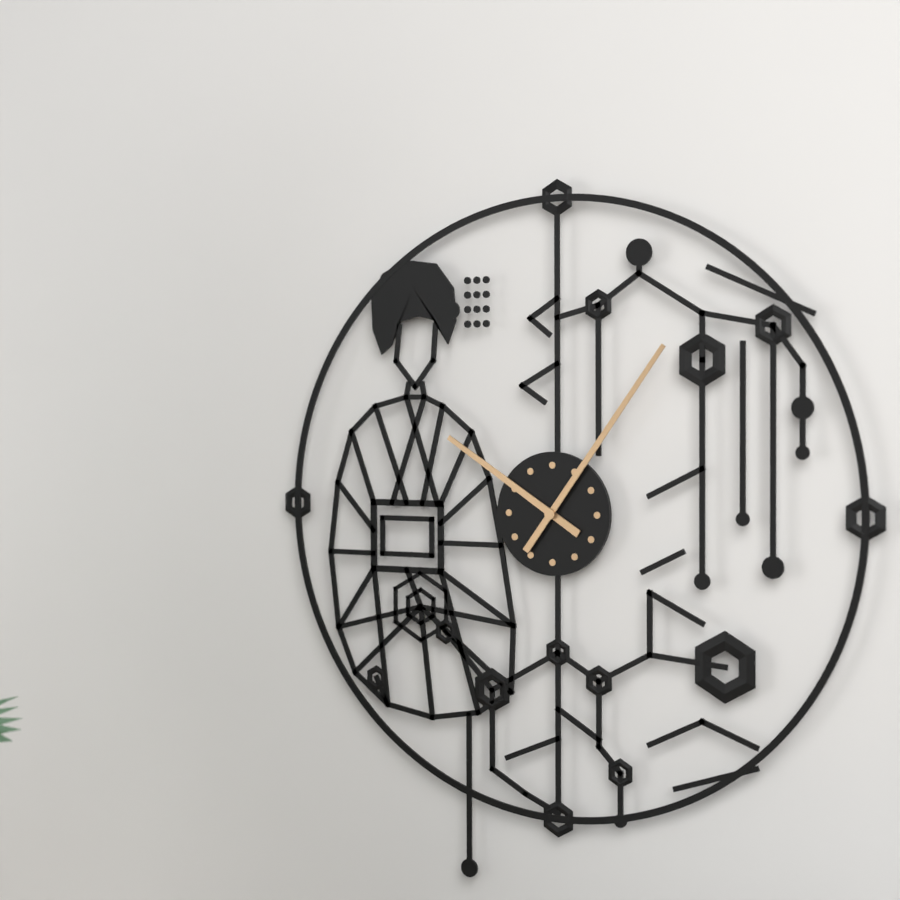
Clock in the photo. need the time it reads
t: 10:06
